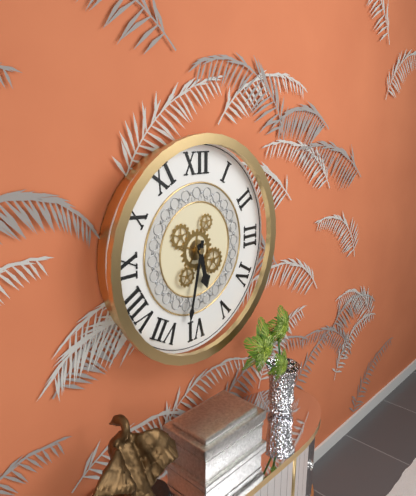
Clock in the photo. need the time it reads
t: 5:32
